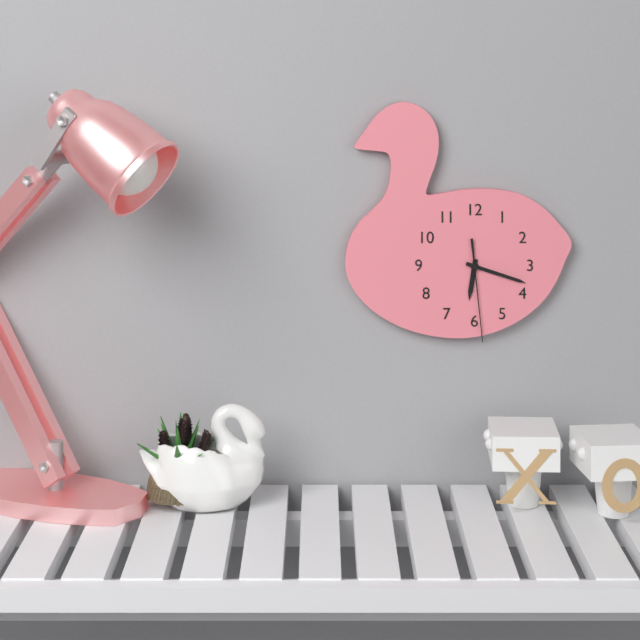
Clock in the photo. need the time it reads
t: 6:18:29
